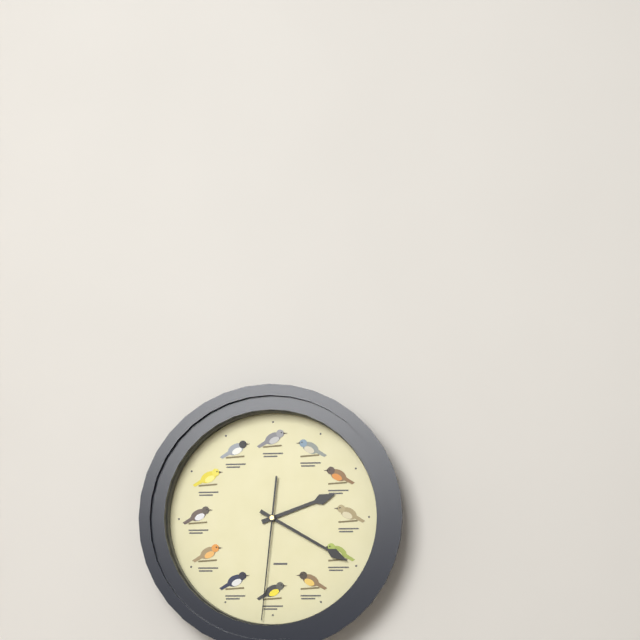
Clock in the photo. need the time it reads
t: 2:20:31
